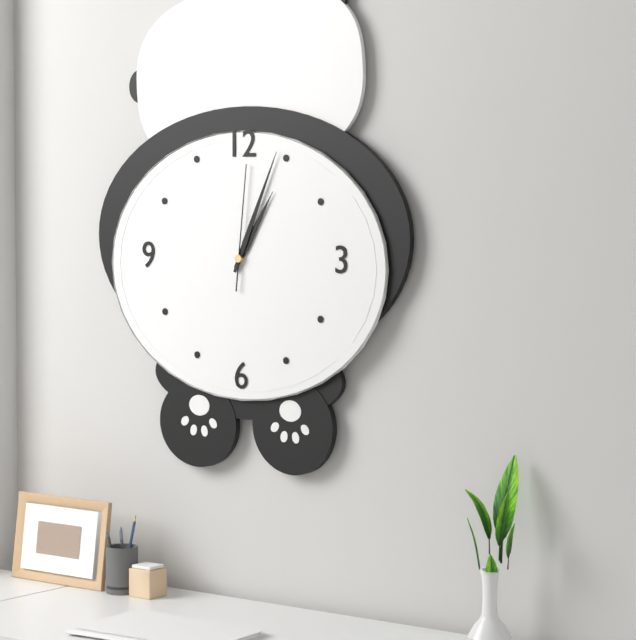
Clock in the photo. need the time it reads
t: 1:04:01
